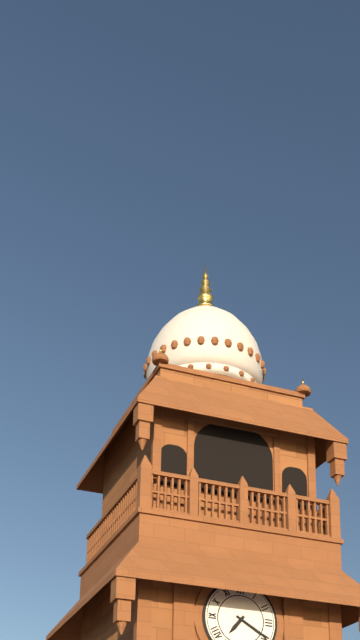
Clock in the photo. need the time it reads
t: 7:20
